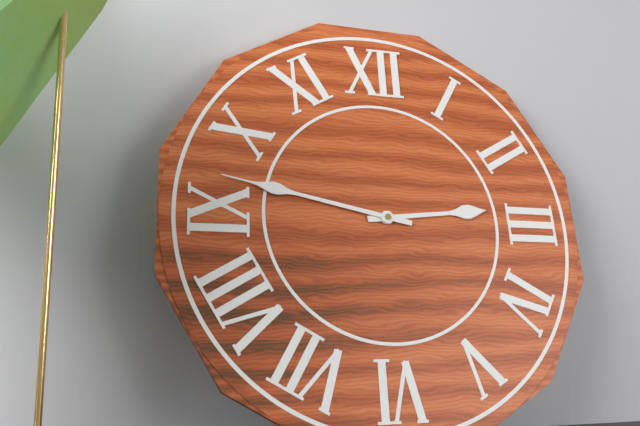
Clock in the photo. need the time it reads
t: 2:47
